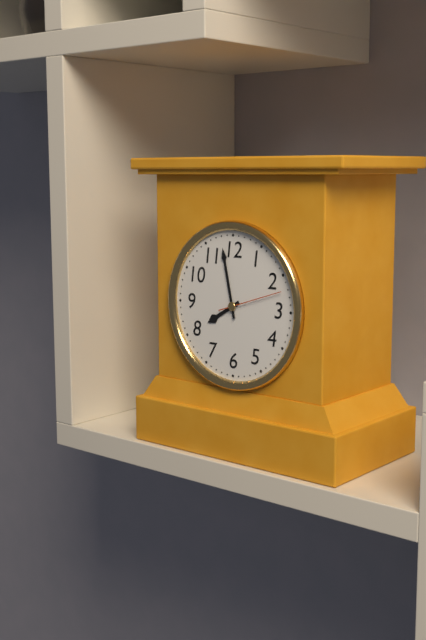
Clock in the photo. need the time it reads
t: 7:58:12
